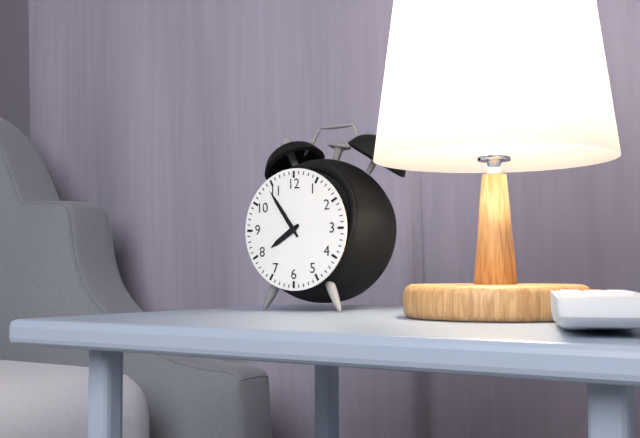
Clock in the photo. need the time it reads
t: 7:54
